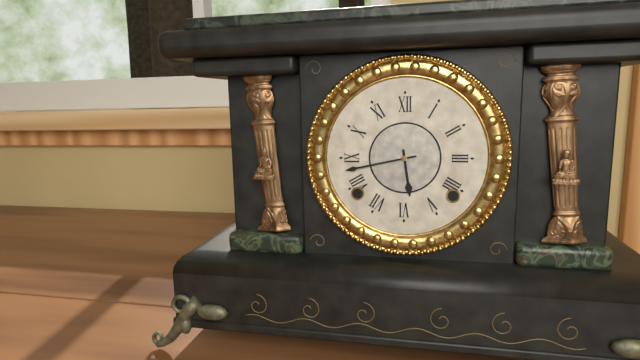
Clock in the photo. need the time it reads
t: 5:43
